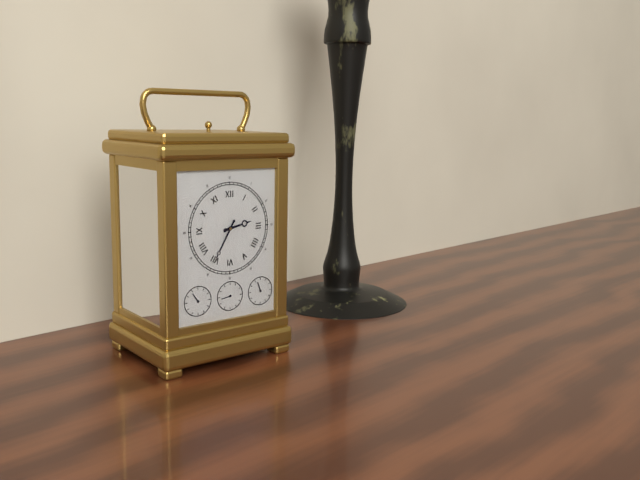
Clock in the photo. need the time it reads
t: 2:35
